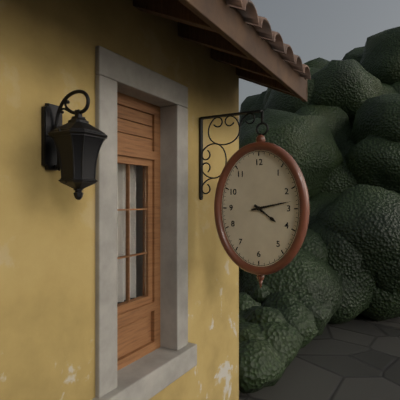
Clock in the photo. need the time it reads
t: 4:13
